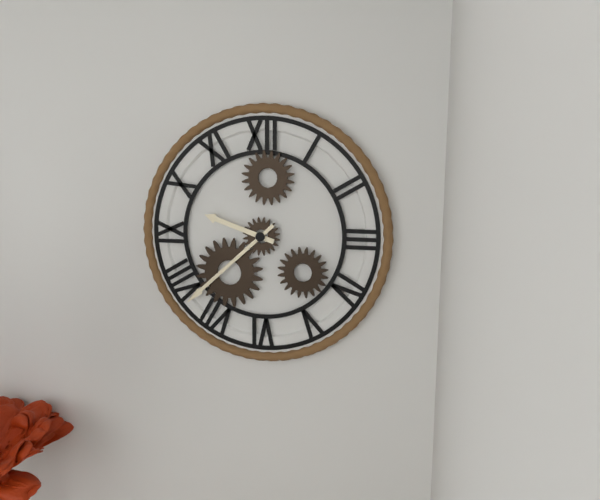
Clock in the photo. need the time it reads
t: 9:38
